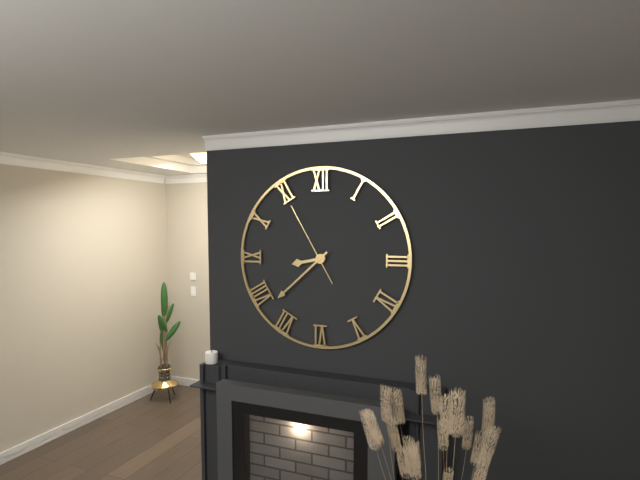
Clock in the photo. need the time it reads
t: 8:38:55
